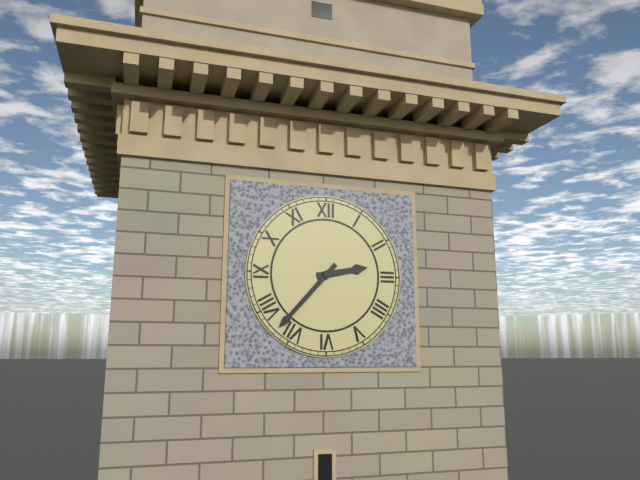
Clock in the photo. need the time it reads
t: 2:37
